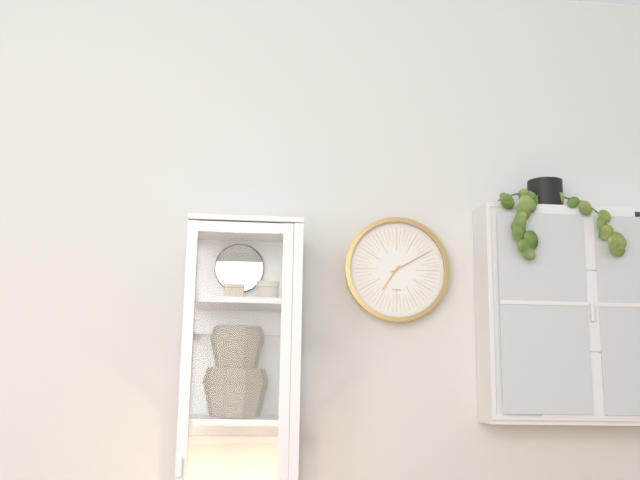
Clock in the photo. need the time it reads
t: 7:10
